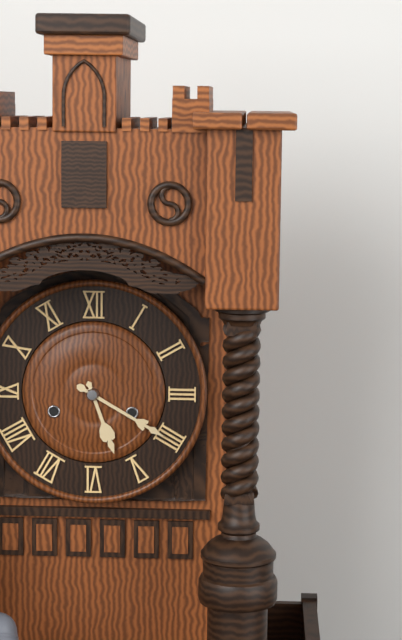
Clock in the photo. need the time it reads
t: 5:20
